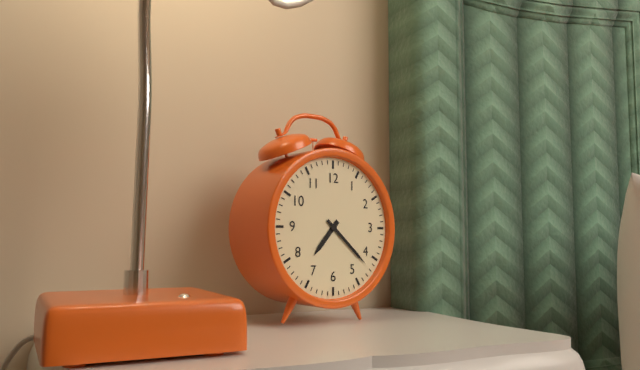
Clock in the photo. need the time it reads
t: 7:22
